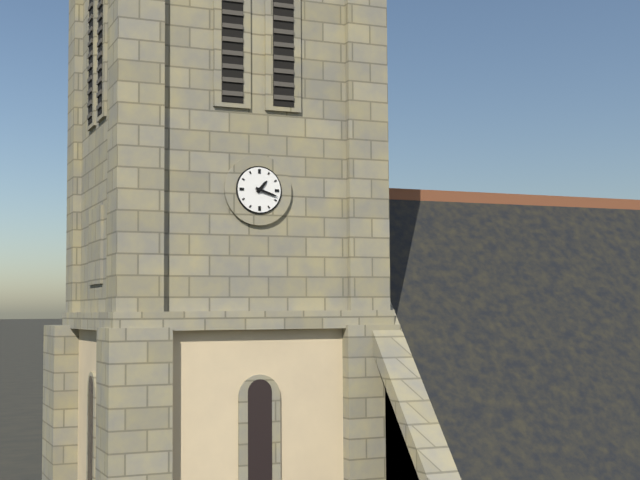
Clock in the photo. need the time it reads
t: 1:18
